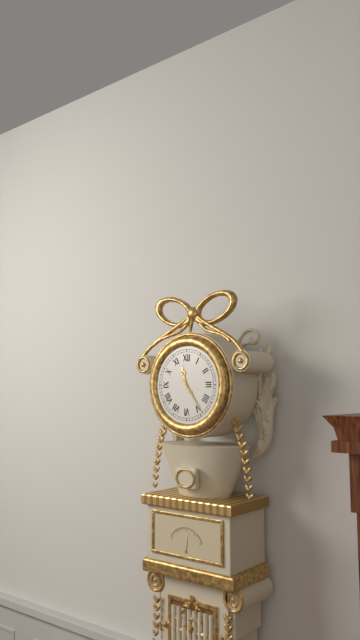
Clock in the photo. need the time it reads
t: 11:24
